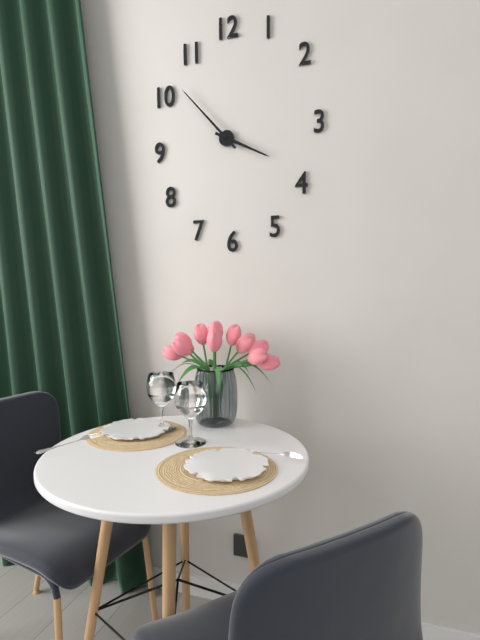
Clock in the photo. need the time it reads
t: 3:53
